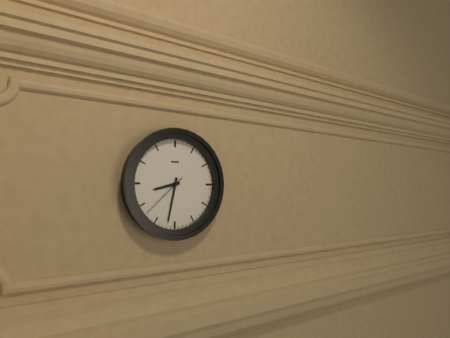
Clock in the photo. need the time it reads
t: 8:32:38
